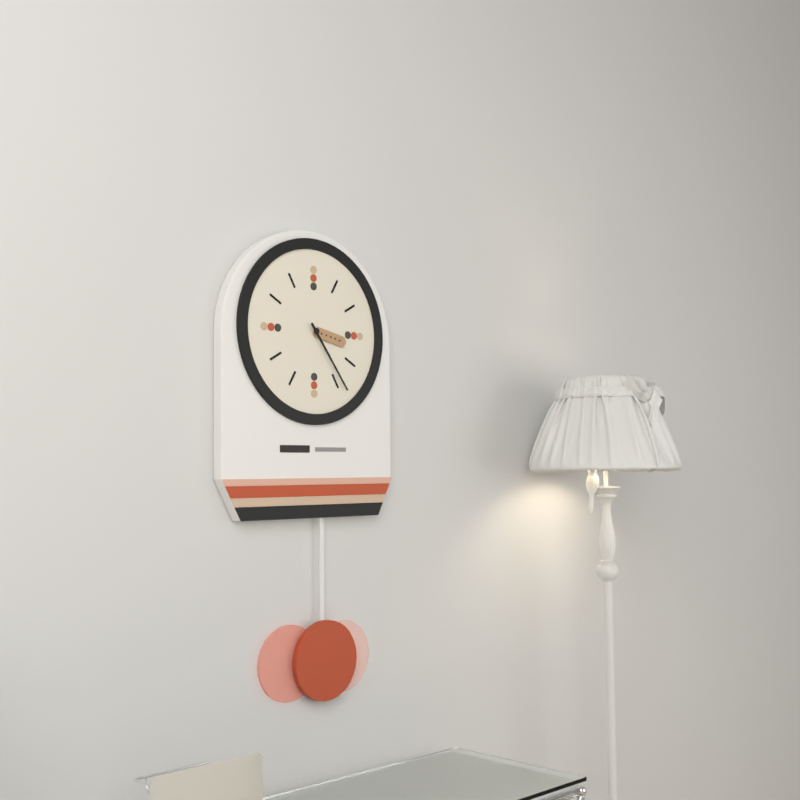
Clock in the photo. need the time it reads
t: 3:24
